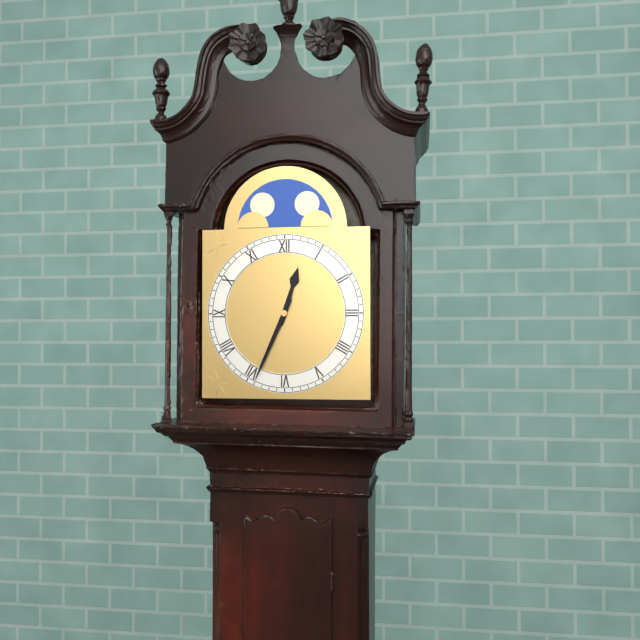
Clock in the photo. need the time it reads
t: 12:34
